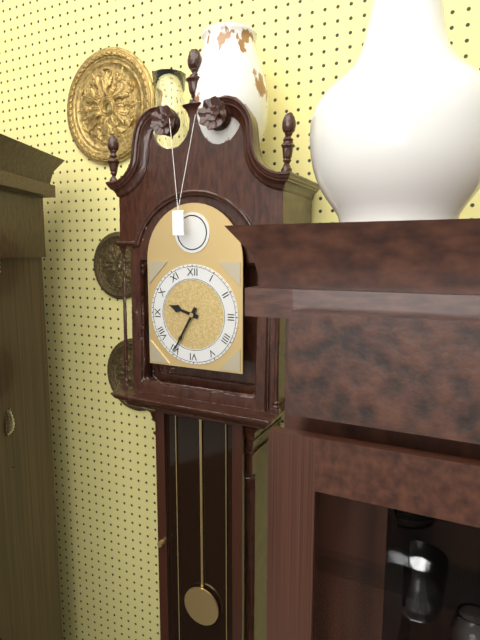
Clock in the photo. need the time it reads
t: 9:35
